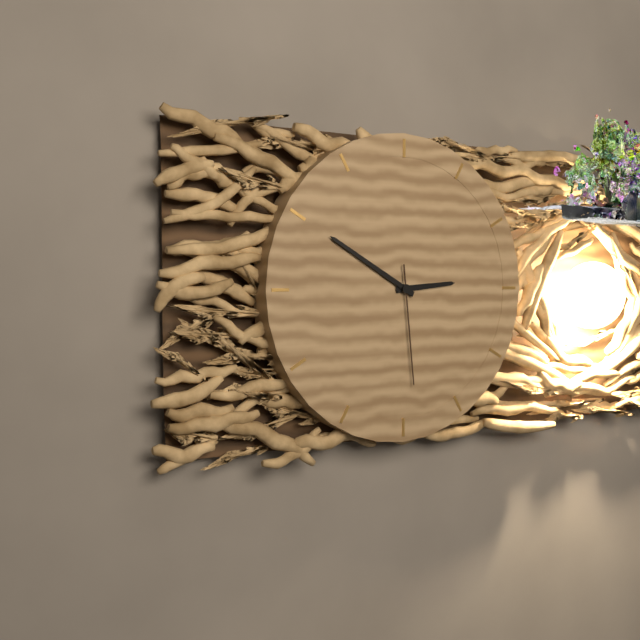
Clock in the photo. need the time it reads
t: 2:50:29
